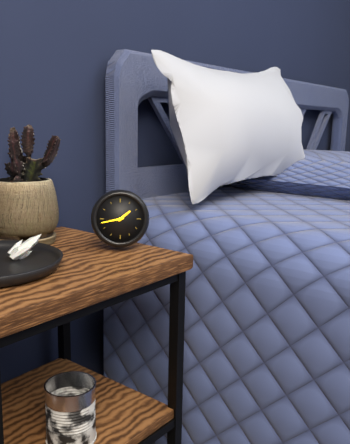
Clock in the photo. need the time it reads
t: 1:43
